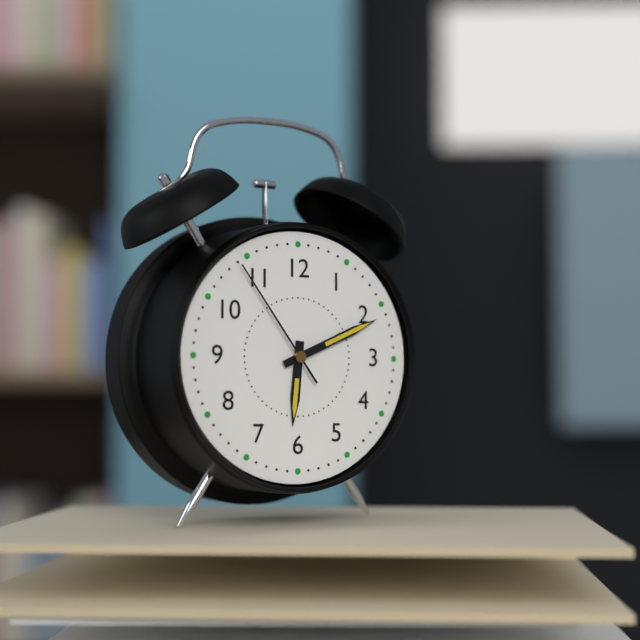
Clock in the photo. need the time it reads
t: 6:11:54
